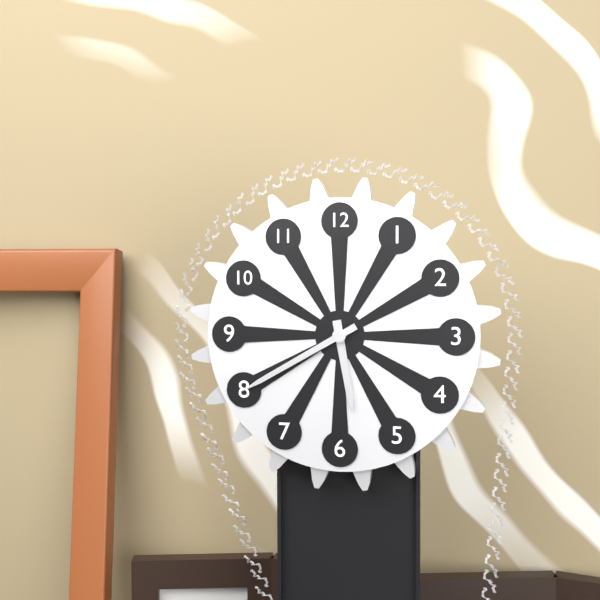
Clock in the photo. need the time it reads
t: 5:40
